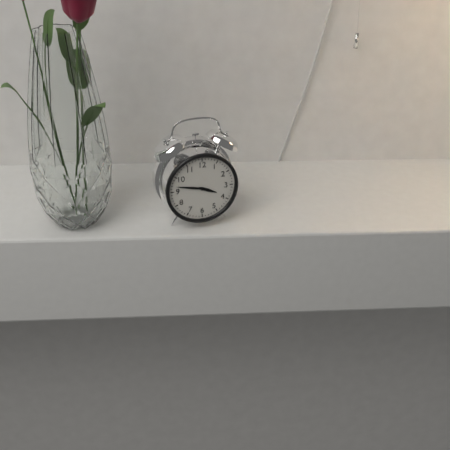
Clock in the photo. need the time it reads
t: 3:47
